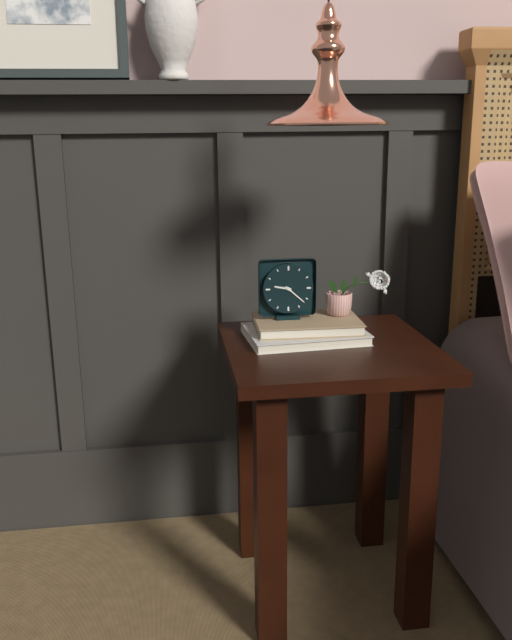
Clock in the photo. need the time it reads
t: 9:22
